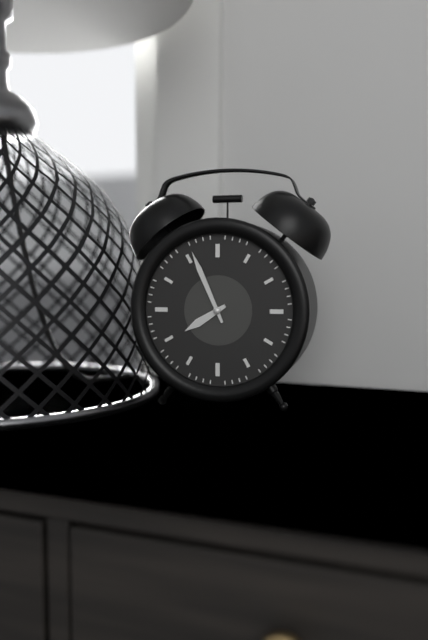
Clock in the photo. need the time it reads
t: 7:56
